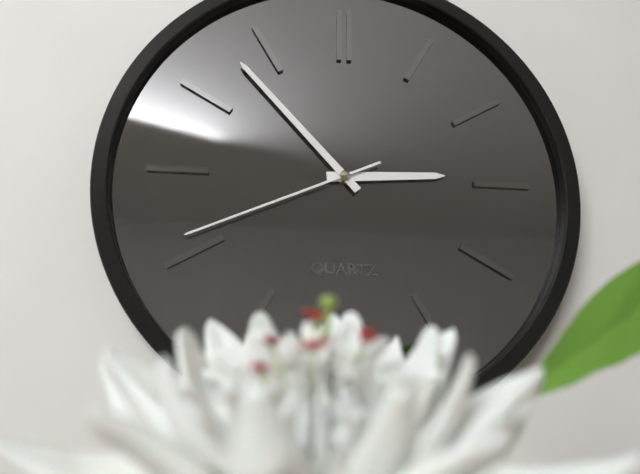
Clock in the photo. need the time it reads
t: 2:53:41
